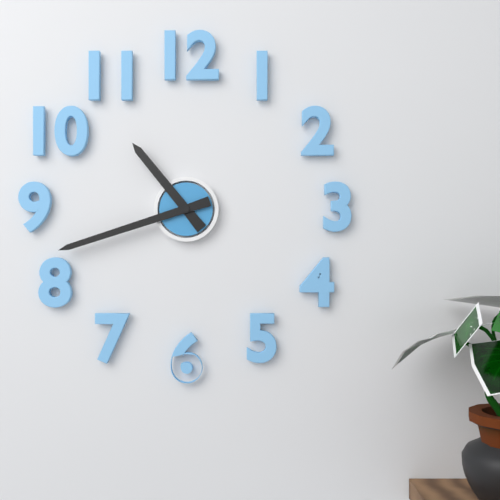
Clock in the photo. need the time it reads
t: 10:42
